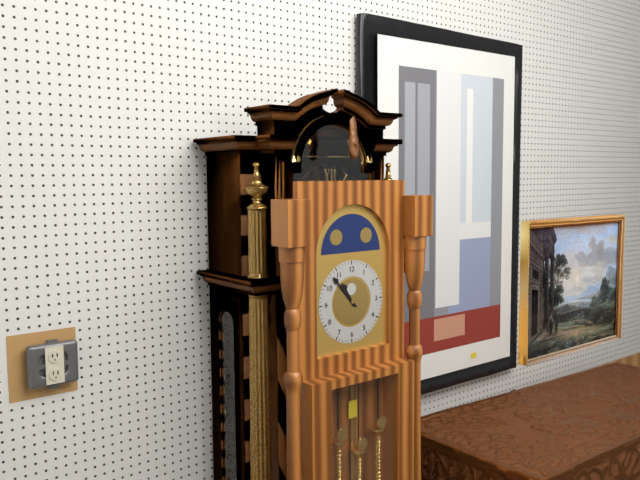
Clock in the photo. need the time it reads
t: 10:53
